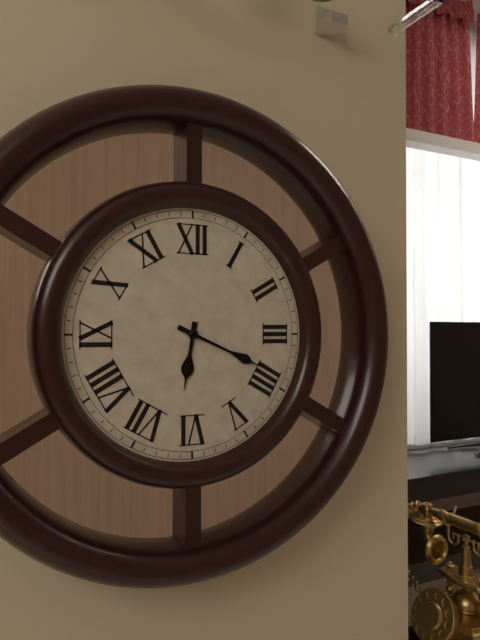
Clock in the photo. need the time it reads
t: 6:19
